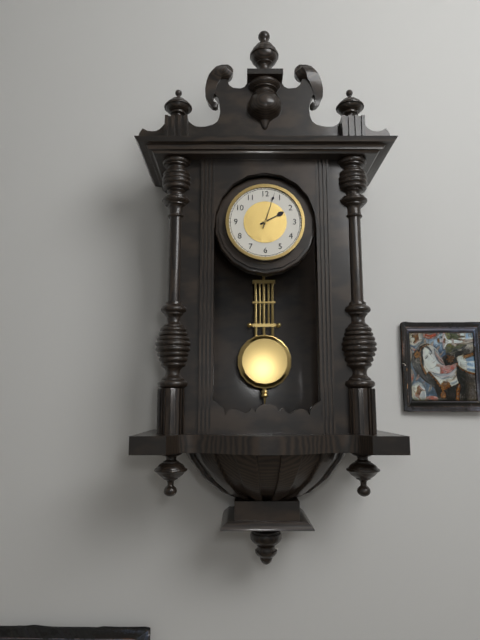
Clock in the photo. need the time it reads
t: 2:03
